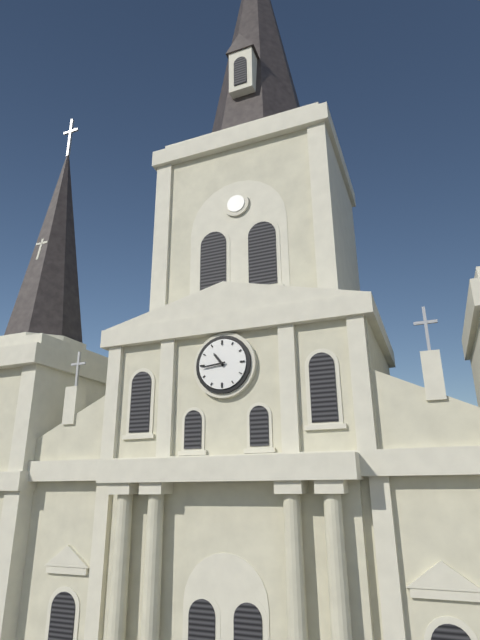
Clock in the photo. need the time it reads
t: 10:44
